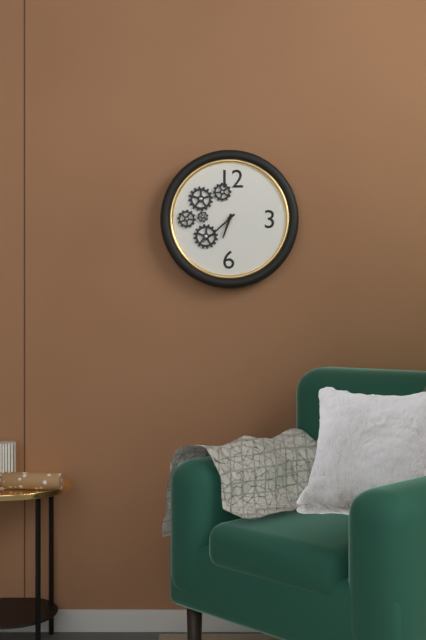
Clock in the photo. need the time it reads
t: 6:38
